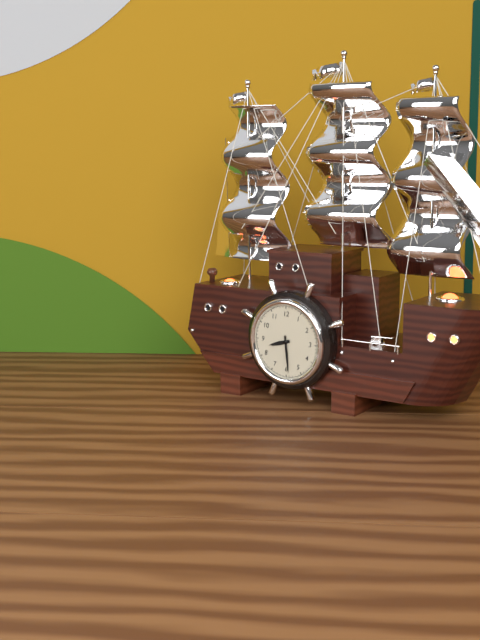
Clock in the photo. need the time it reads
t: 8:29
